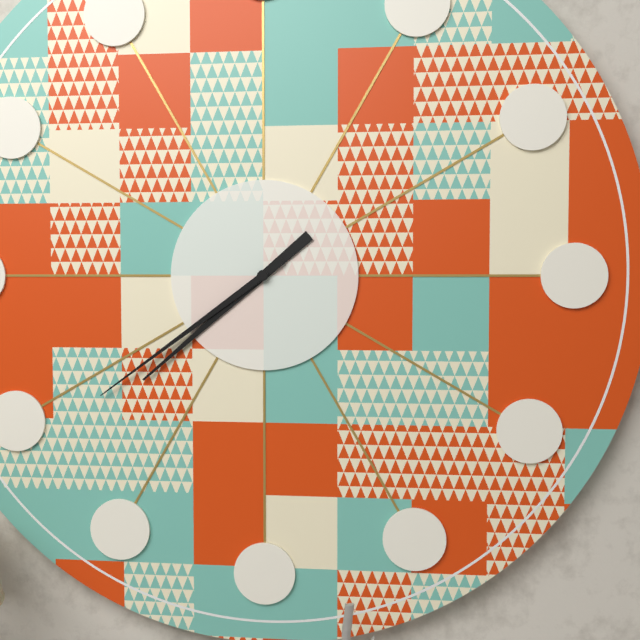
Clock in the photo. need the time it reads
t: 7:39
